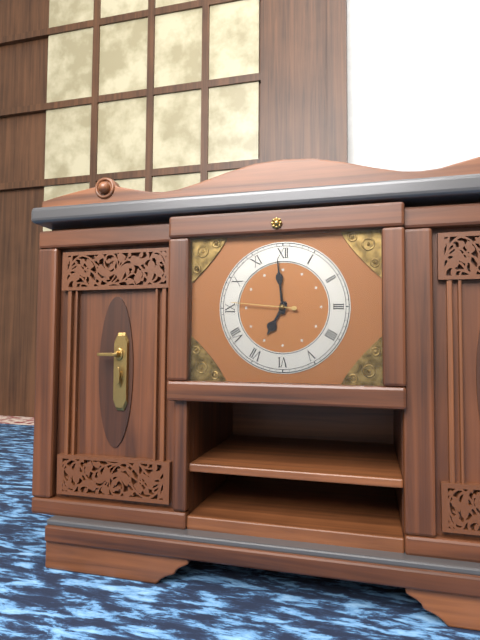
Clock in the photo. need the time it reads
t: 6:59:46
